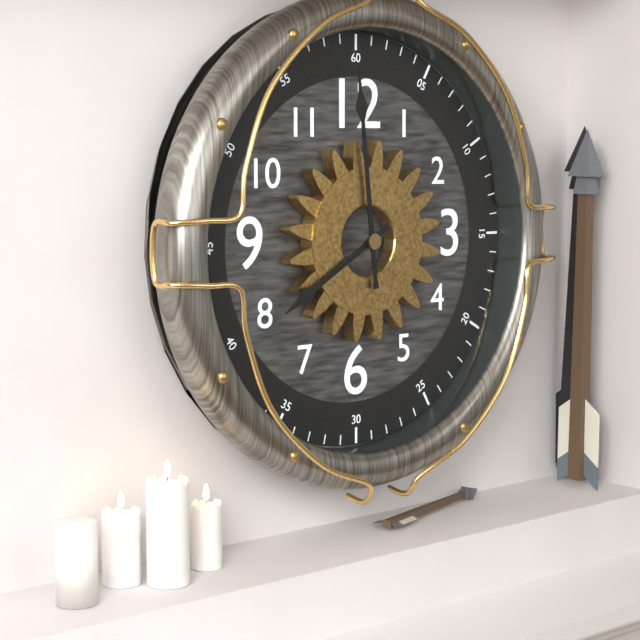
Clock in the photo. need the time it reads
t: 7:59
